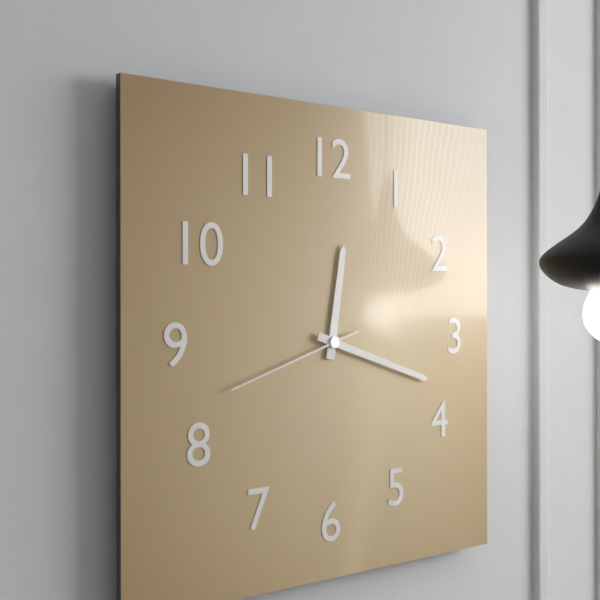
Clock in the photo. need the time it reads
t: 12:18:42
